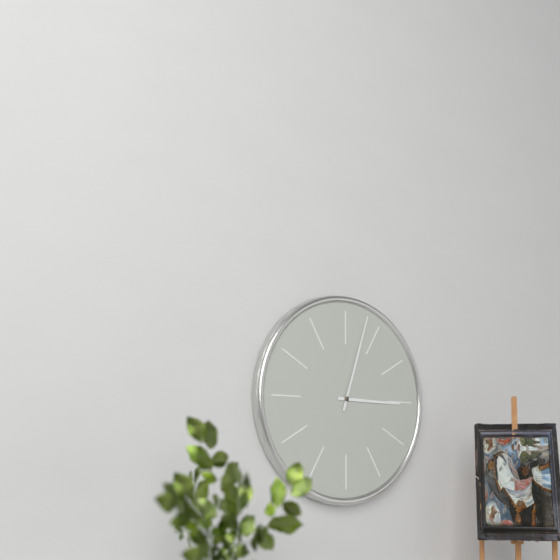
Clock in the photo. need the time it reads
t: 3:03
